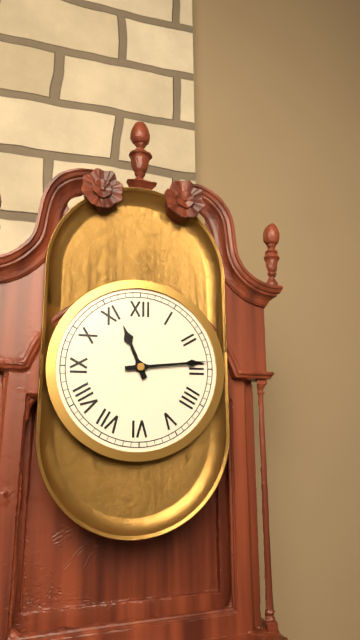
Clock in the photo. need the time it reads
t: 11:14
